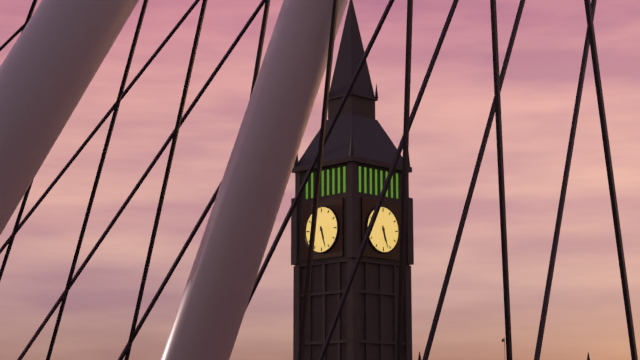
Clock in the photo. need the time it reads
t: 5:27
